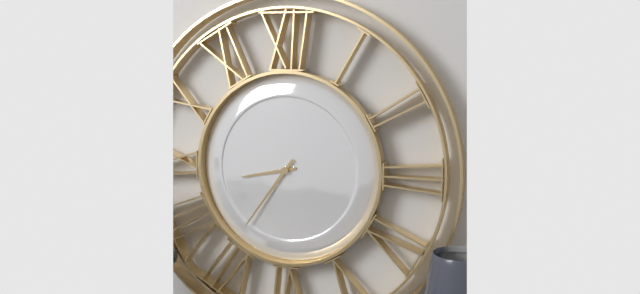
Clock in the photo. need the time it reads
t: 8:36
